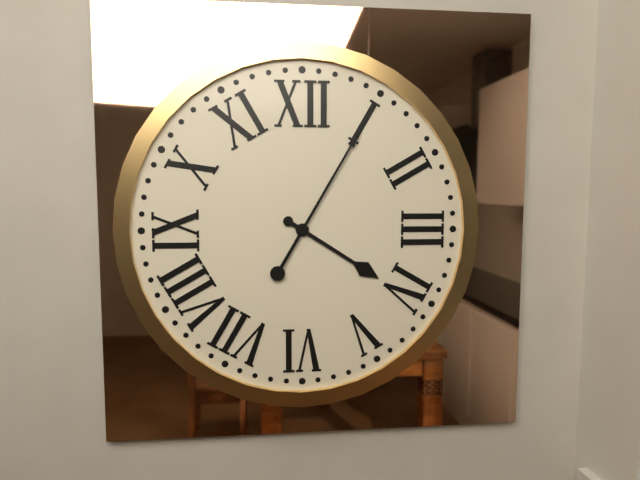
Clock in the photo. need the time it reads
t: 4:05
